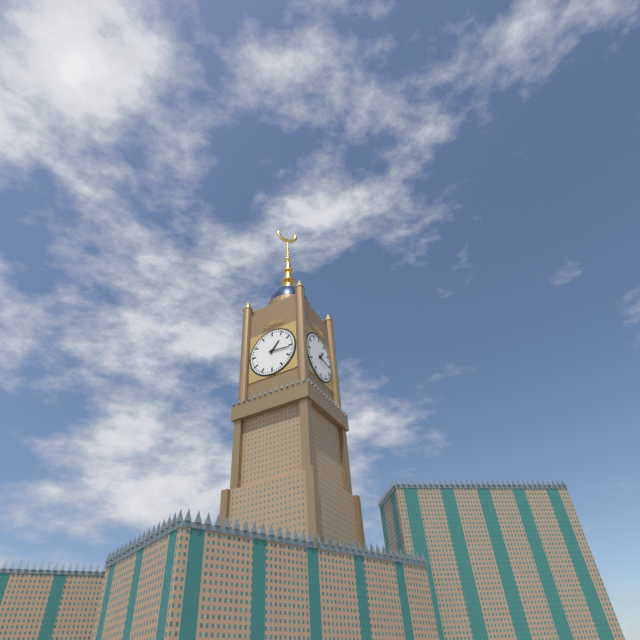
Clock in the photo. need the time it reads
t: 1:16
